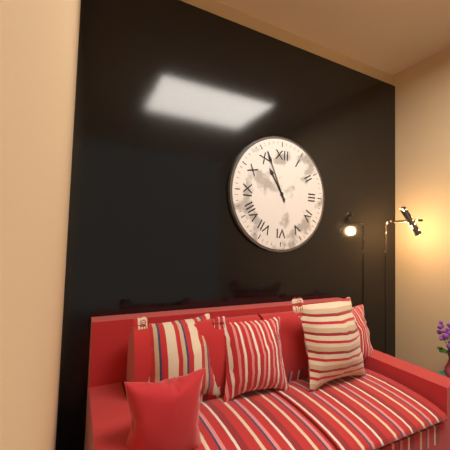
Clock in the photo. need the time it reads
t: 10:56
